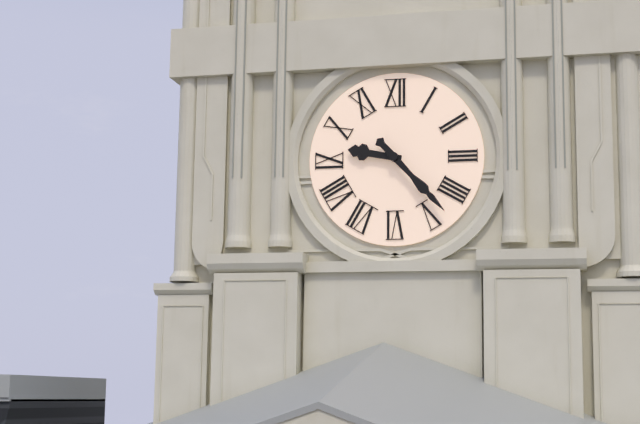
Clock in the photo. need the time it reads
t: 9:23
